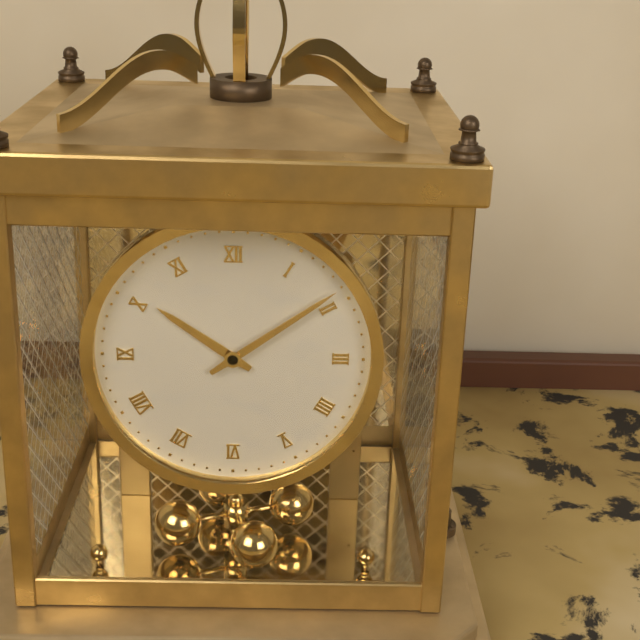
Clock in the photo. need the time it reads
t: 10:09
